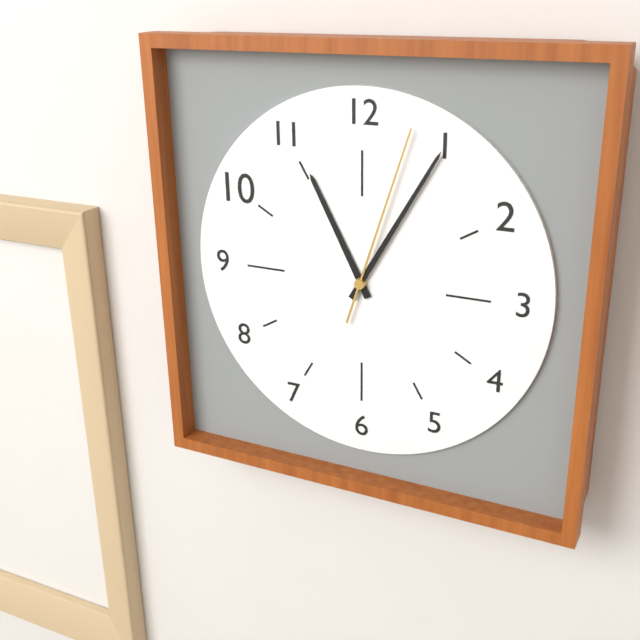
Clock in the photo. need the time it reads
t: 11:05:03
